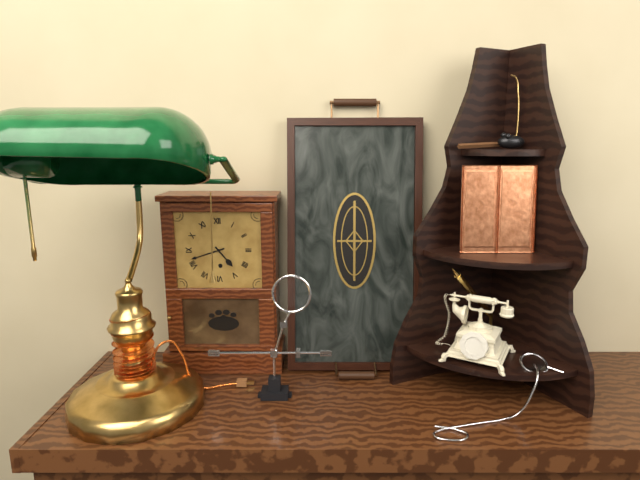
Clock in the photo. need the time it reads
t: 4:42
